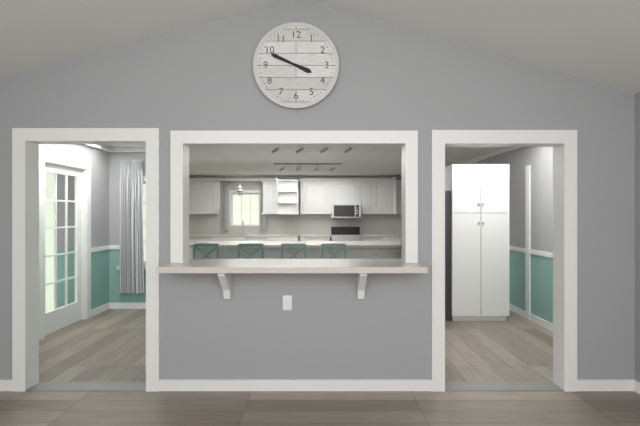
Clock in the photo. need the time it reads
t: 3:49
